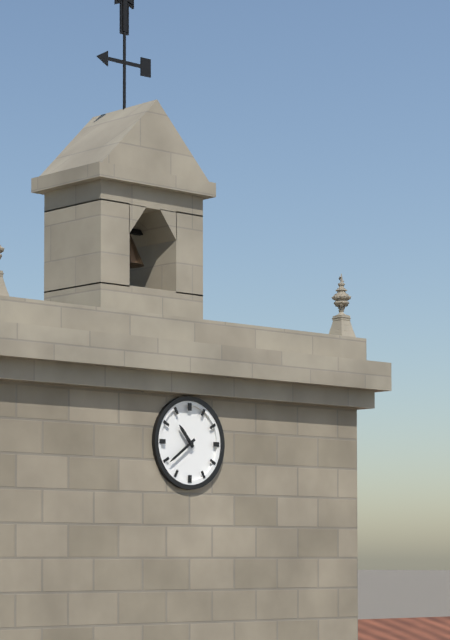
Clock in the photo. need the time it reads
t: 10:39
